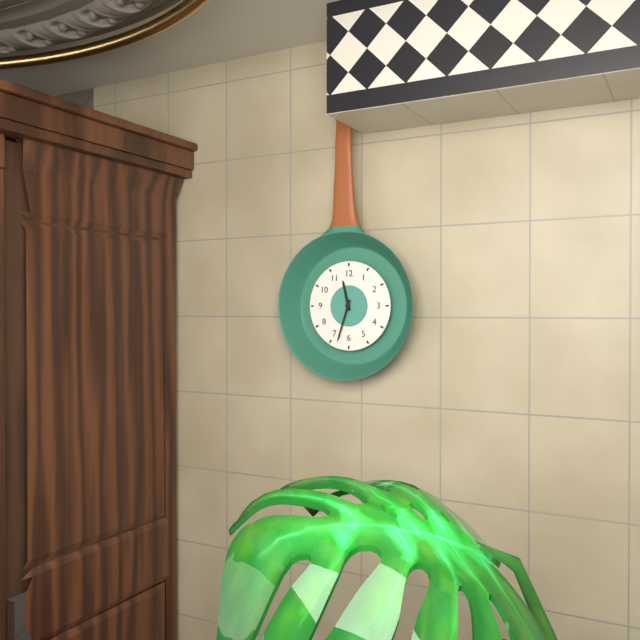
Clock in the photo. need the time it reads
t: 11:33
